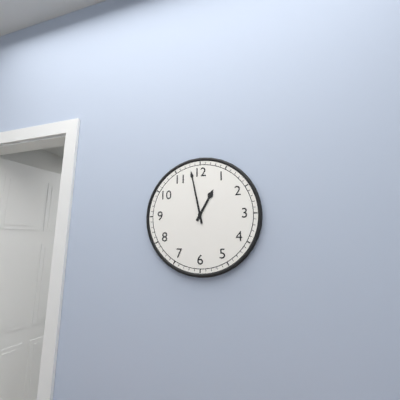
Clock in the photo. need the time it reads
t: 12:58
